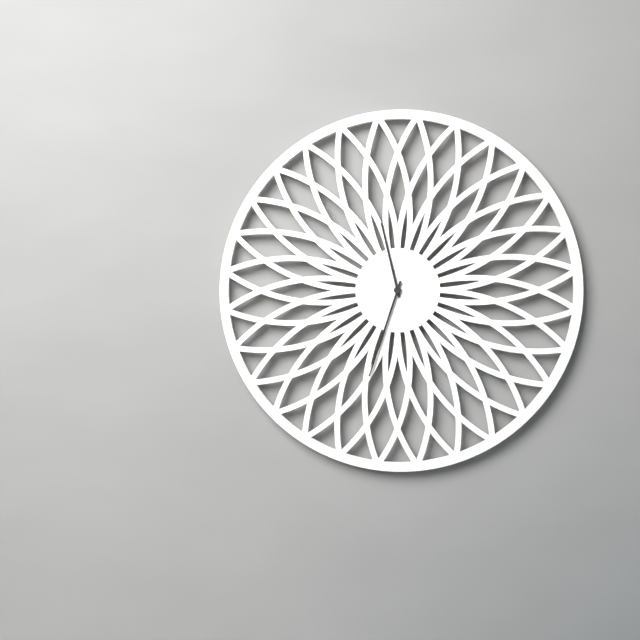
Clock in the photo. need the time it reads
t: 11:33
